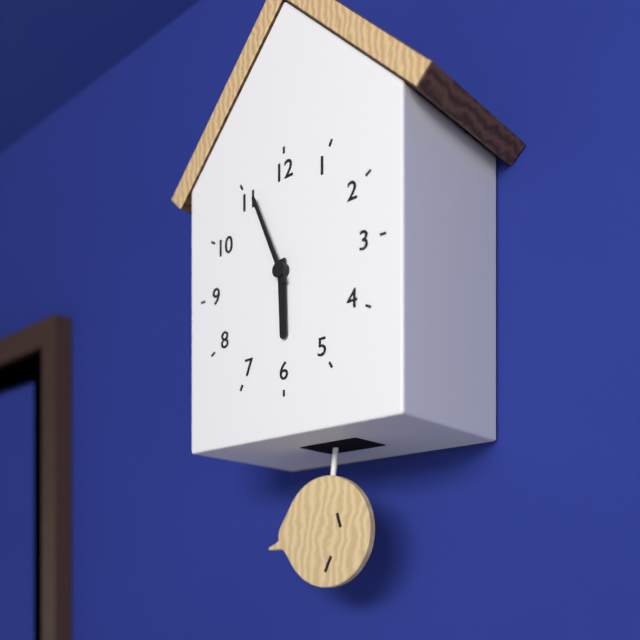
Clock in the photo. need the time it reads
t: 5:56
